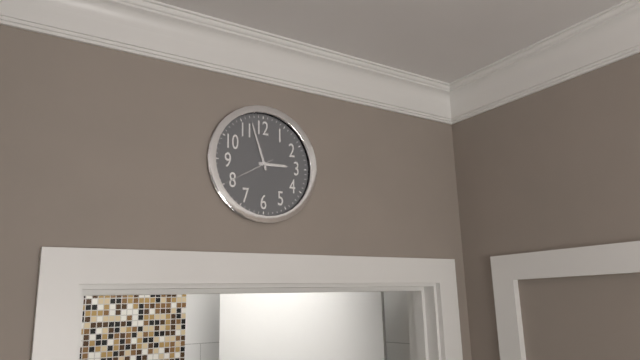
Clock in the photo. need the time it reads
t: 2:57:40
